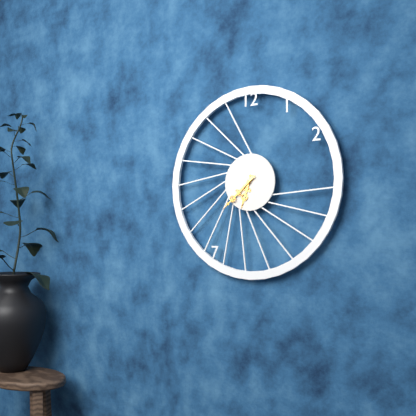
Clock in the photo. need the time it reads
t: 6:38
